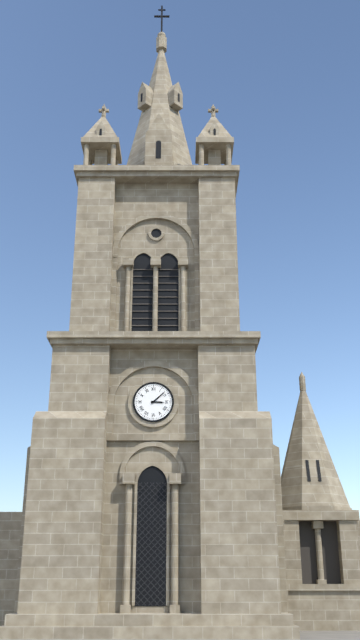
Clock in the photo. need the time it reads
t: 3:08
